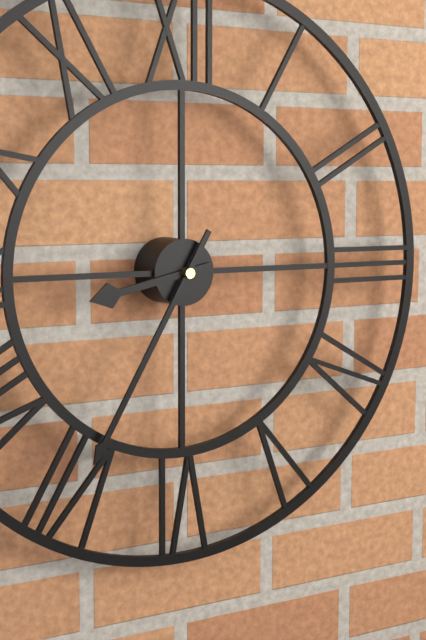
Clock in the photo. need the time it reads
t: 8:35
